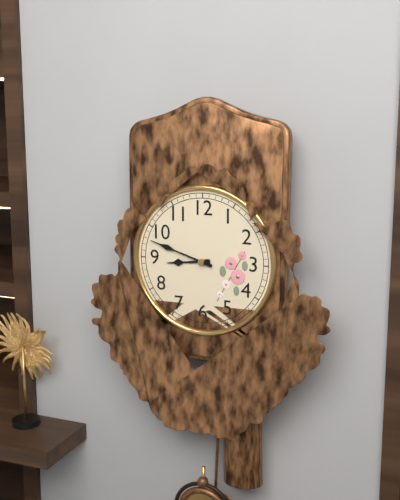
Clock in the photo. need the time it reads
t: 8:48
